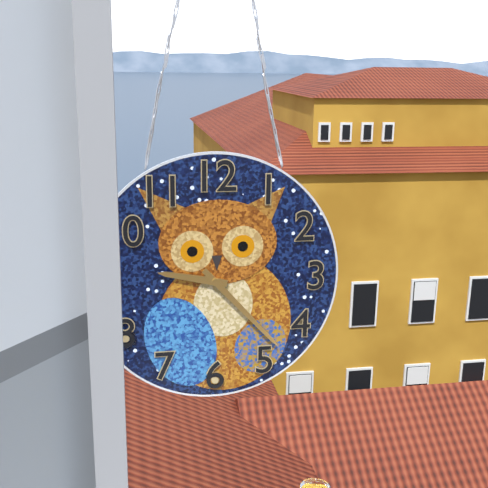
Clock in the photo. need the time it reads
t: 9:23
